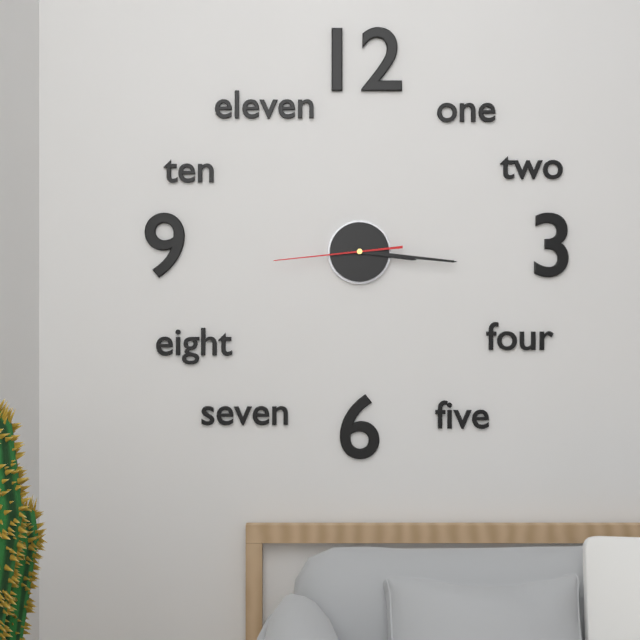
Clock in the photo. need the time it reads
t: 3:16:44
